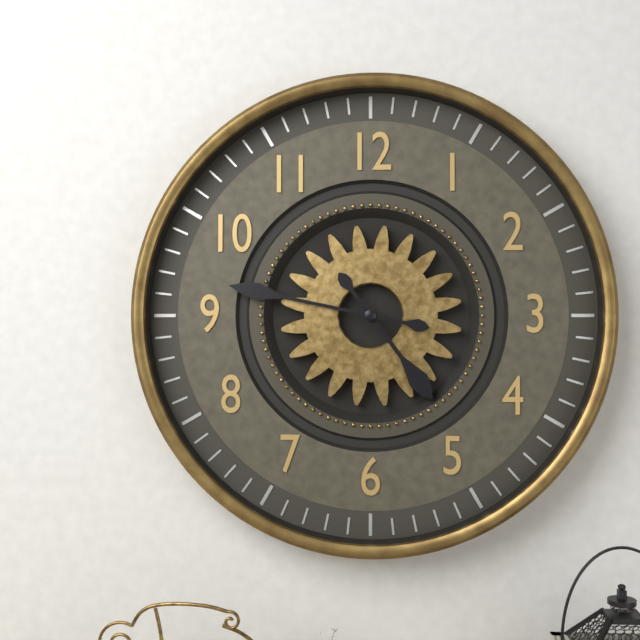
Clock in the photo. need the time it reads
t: 4:47
